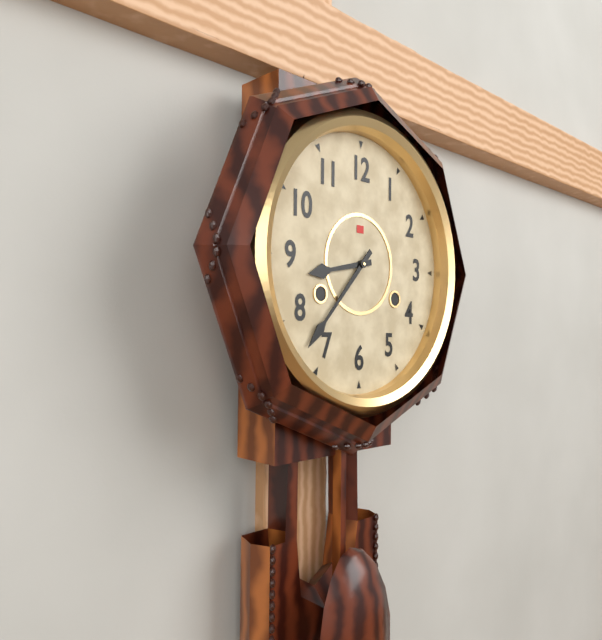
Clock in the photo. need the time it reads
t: 8:37
